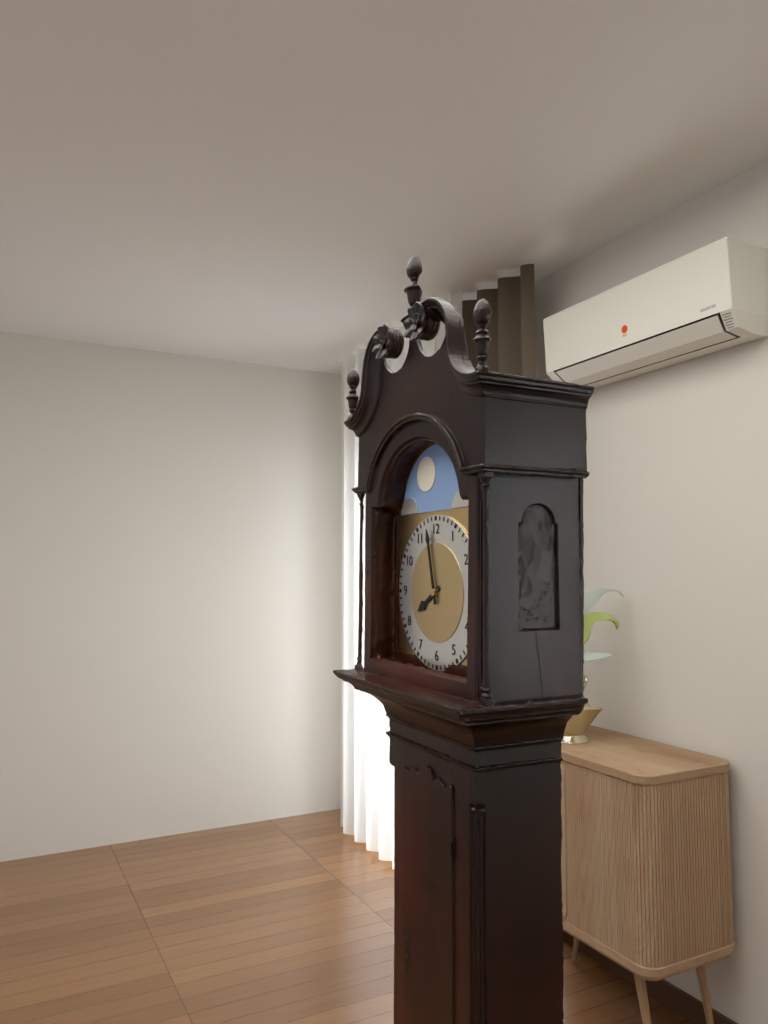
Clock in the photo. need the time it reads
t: 7:58
